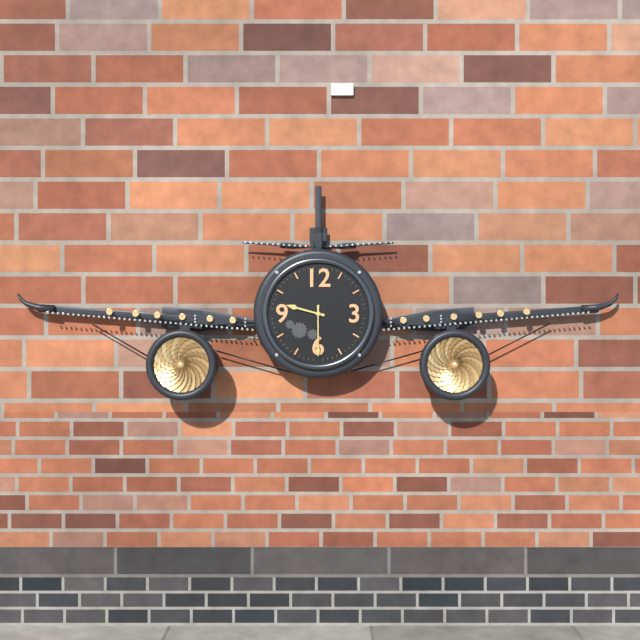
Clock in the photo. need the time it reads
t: 9:30
